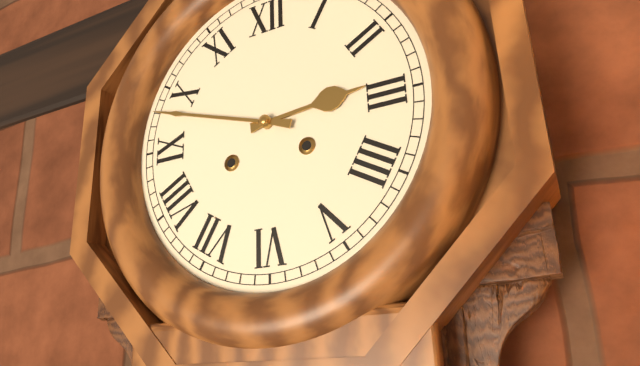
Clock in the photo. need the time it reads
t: 2:48
